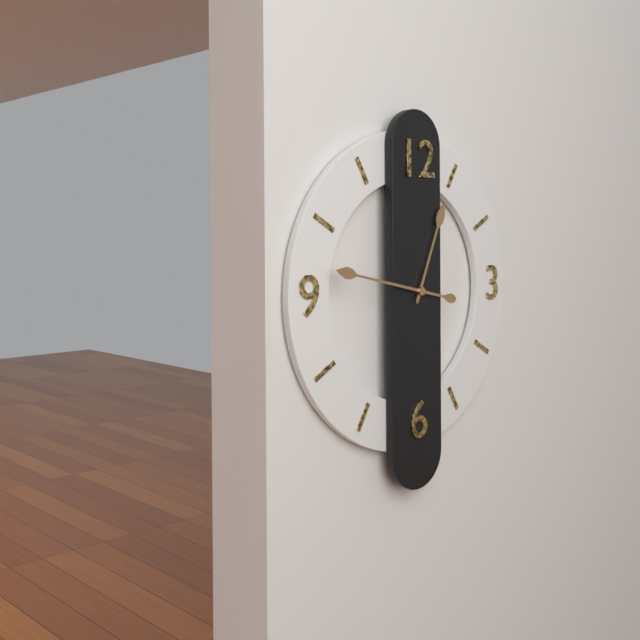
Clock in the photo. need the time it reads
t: 12:47
